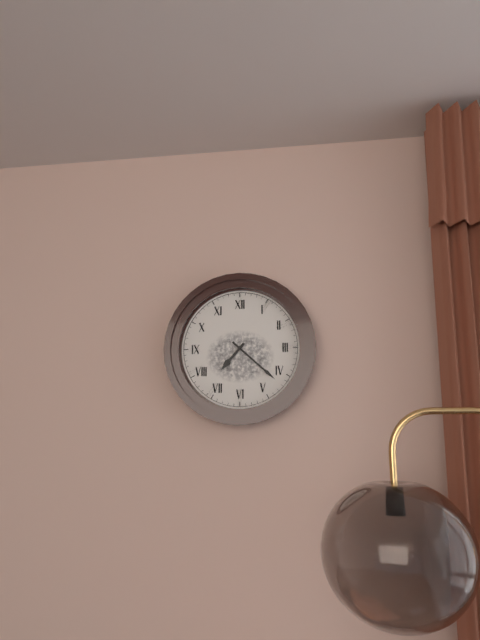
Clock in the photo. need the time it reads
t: 7:22
